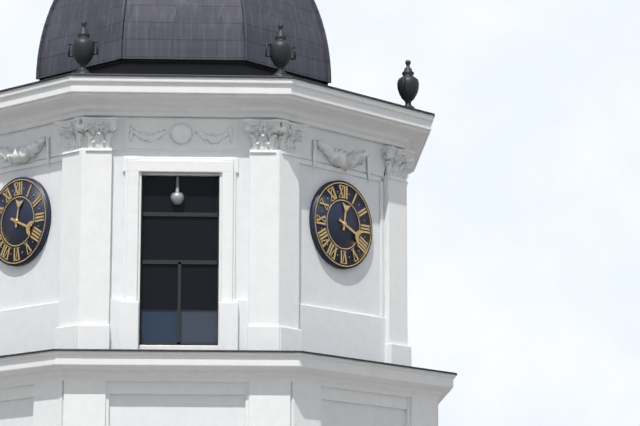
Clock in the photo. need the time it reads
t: 12:19
